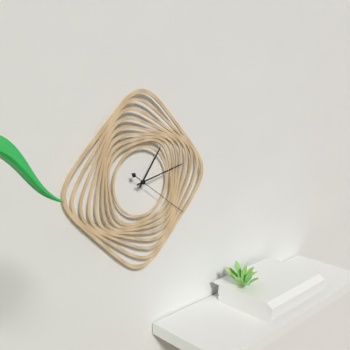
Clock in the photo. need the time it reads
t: 1:13:21
